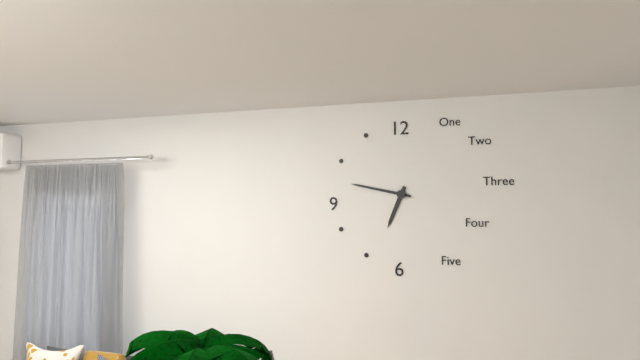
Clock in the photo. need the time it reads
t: 6:47
